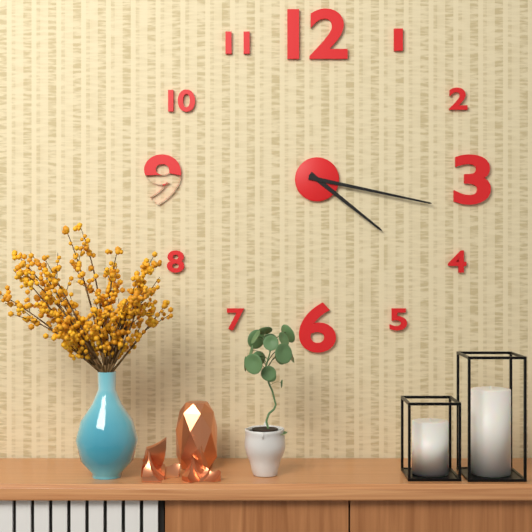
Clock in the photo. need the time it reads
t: 4:17
